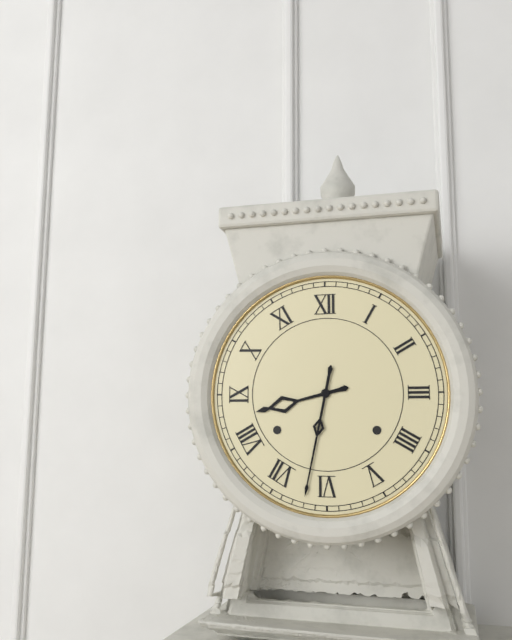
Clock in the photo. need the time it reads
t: 8:32
